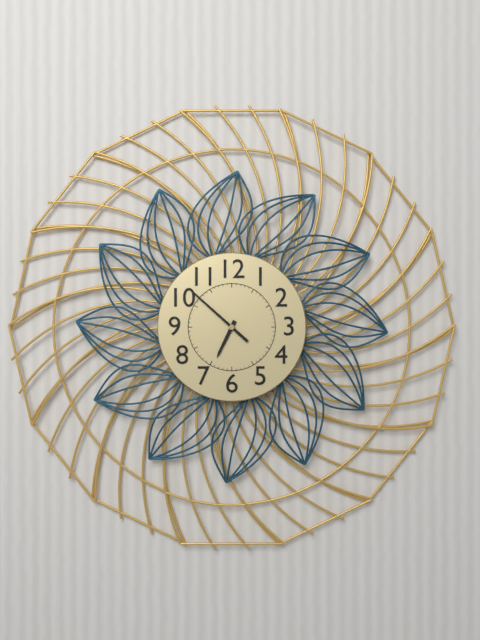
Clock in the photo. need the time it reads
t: 6:52
